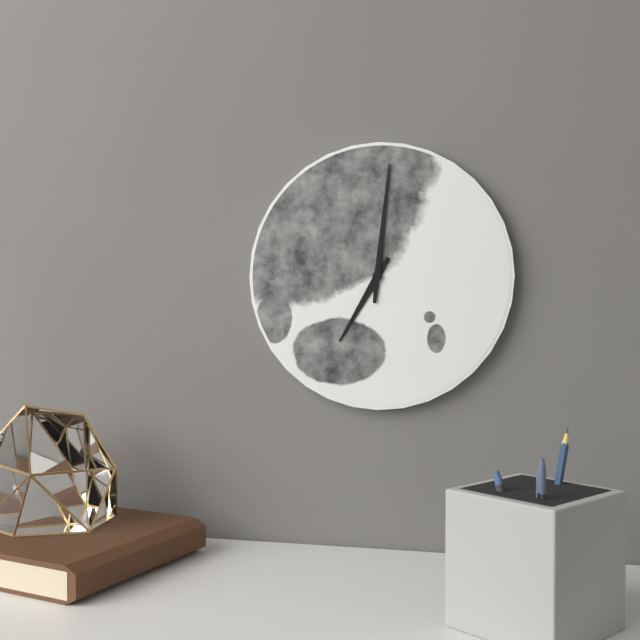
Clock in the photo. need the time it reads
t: 7:01
